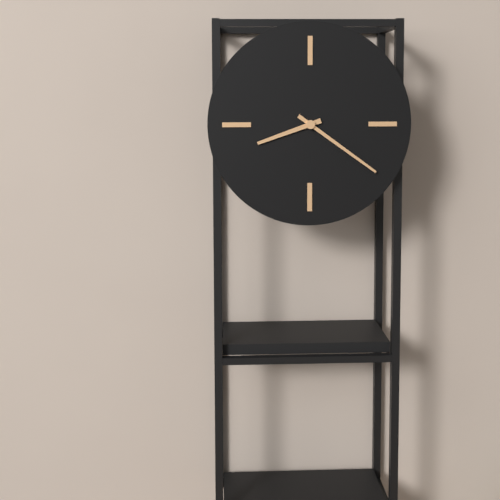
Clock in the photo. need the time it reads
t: 8:21
